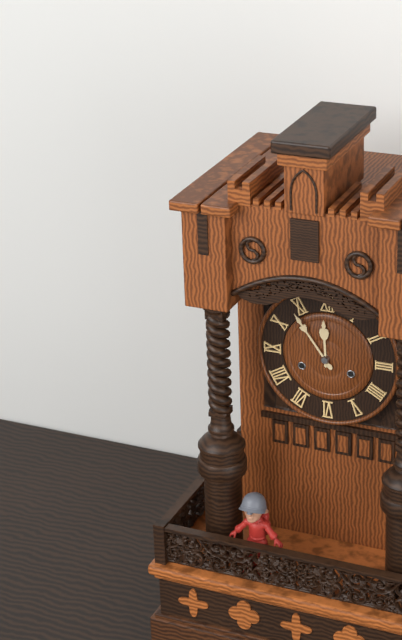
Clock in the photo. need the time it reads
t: 11:54
